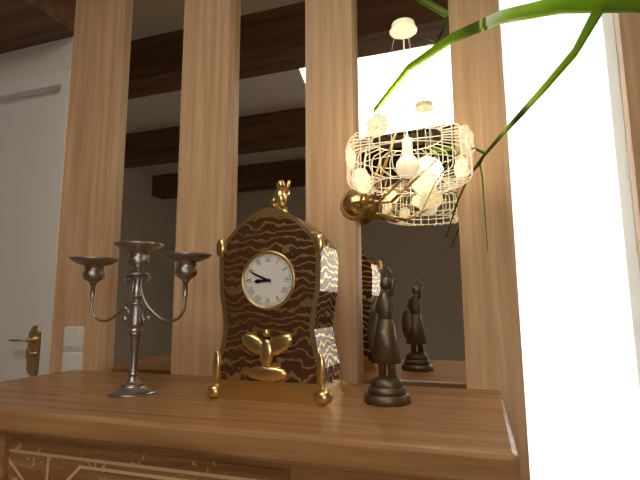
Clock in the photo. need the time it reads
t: 8:49
